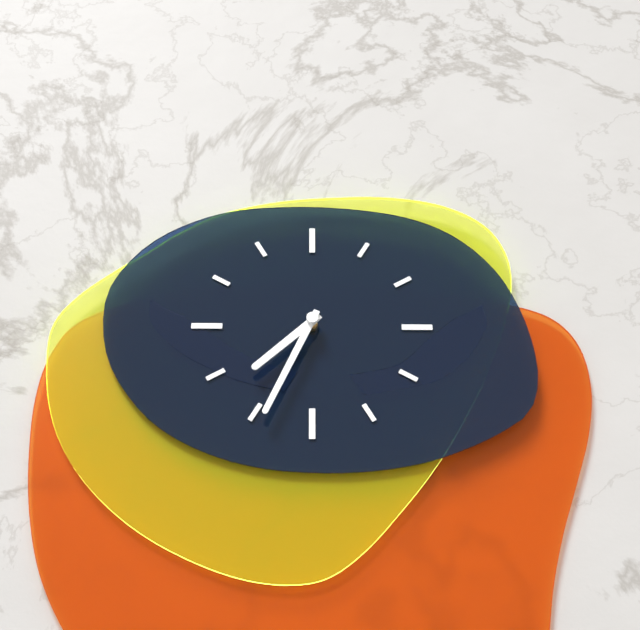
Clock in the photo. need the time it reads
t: 7:34
